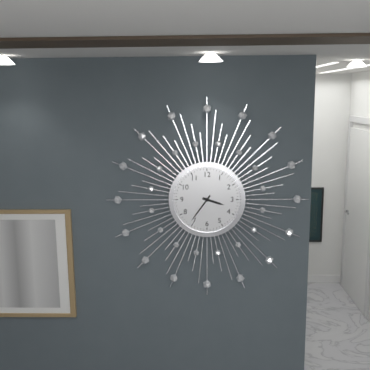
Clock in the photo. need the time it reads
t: 3:36
